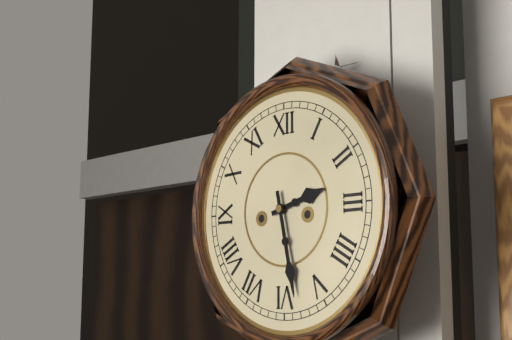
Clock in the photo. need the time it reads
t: 2:28
